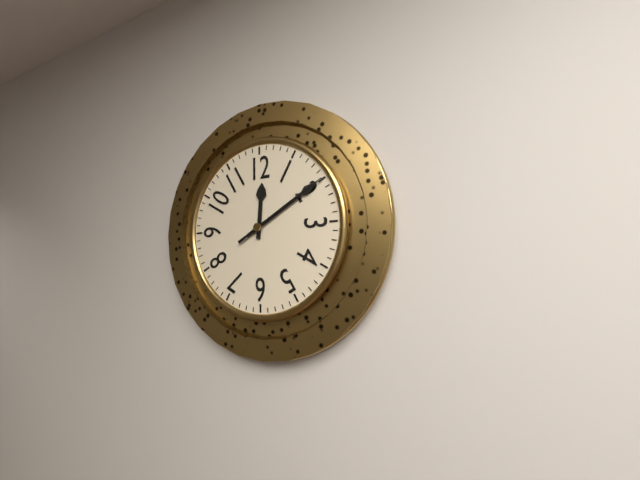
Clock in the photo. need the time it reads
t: 12:10:10
